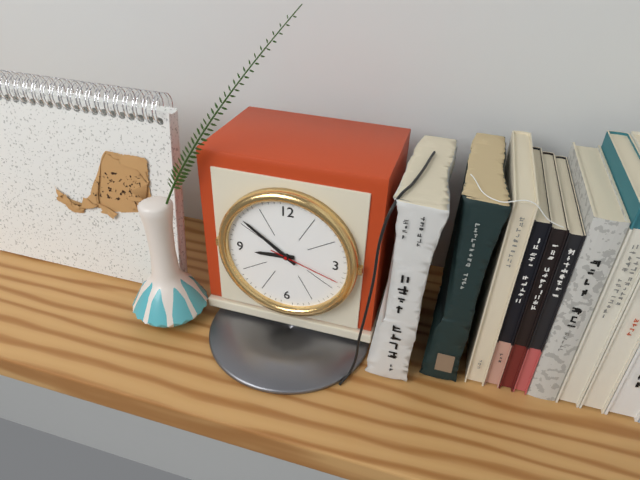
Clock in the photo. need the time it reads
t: 8:51:18
